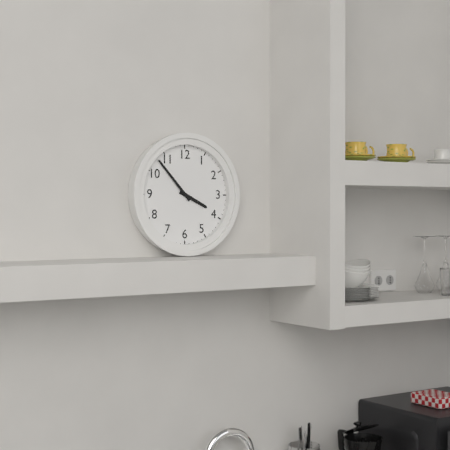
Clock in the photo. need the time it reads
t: 3:53
